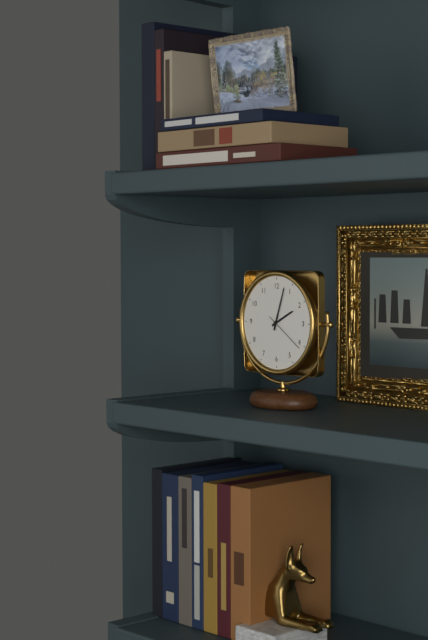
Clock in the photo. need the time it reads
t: 2:03
